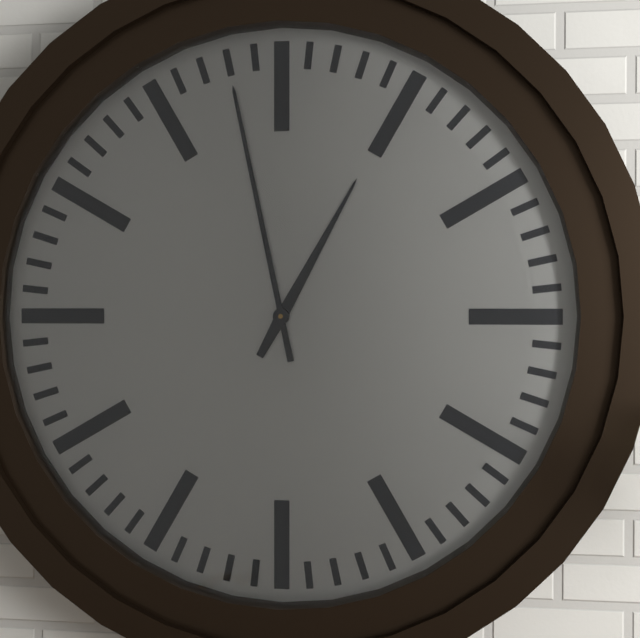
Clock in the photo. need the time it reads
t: 12:58
